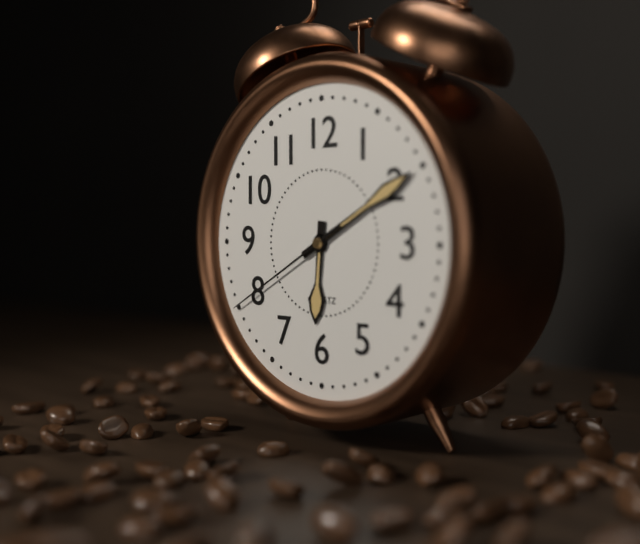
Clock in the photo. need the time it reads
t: 6:10:40
